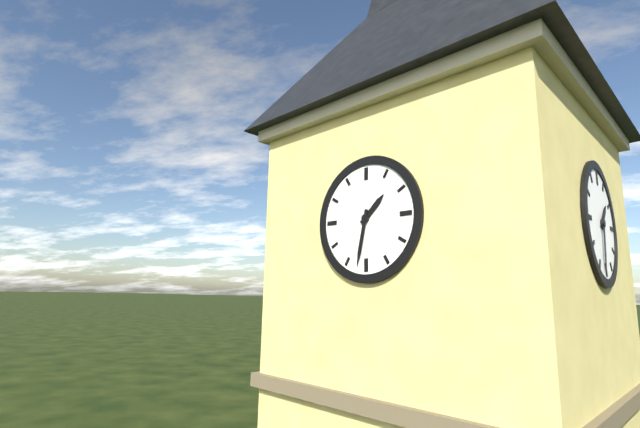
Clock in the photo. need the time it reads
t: 1:32
